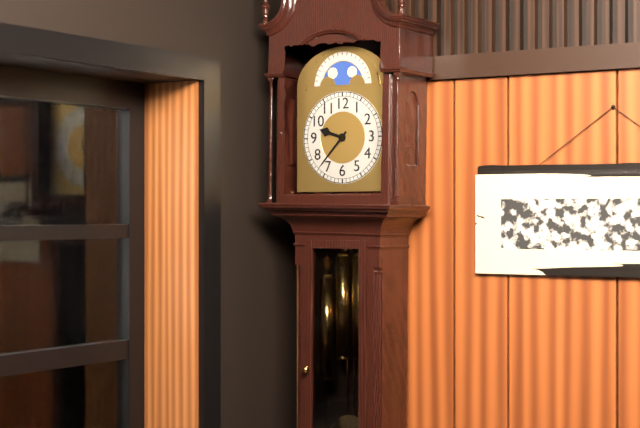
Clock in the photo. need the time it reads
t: 9:37
